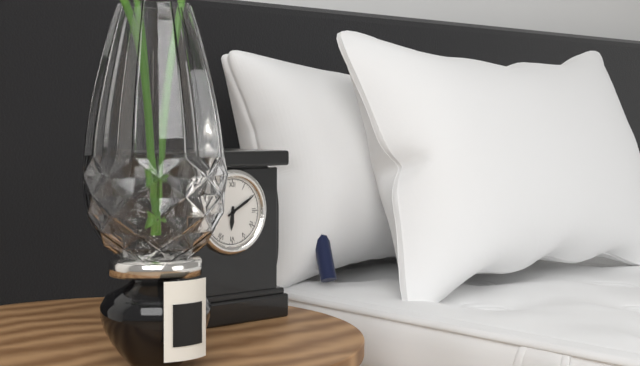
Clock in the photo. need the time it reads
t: 6:10
